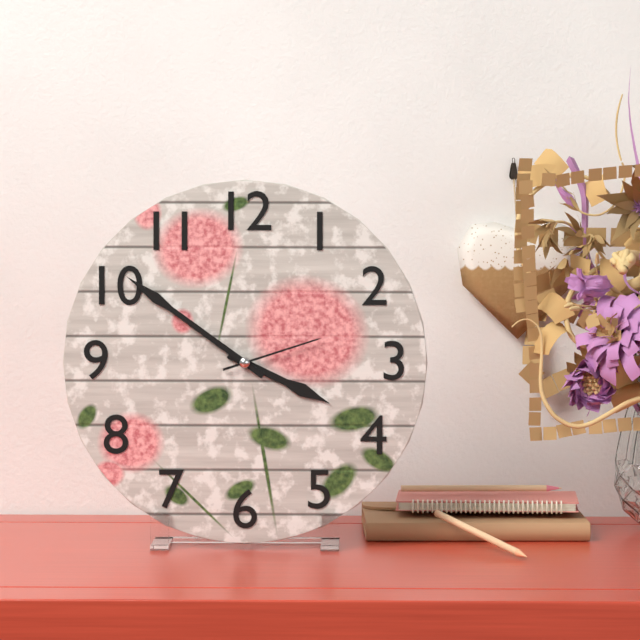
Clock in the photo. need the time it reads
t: 3:51:12
